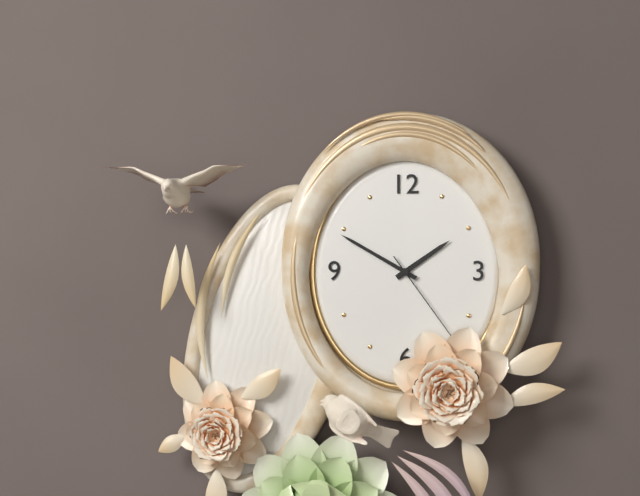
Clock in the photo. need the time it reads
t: 1:50:24
